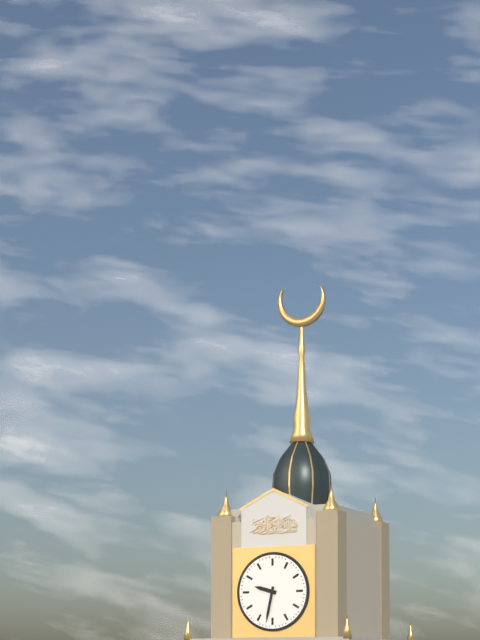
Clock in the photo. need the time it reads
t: 9:32
